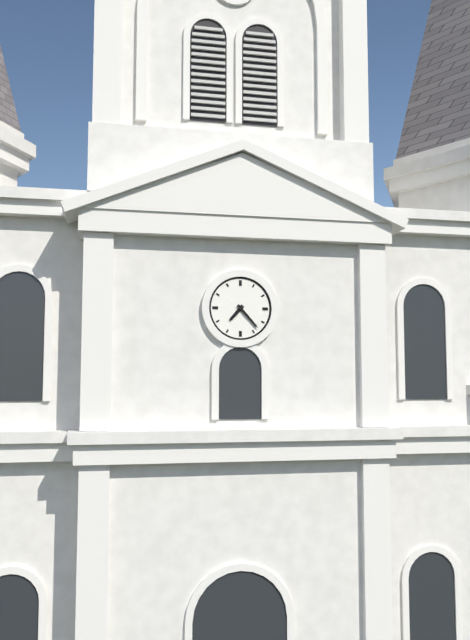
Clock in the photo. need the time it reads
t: 7:23
